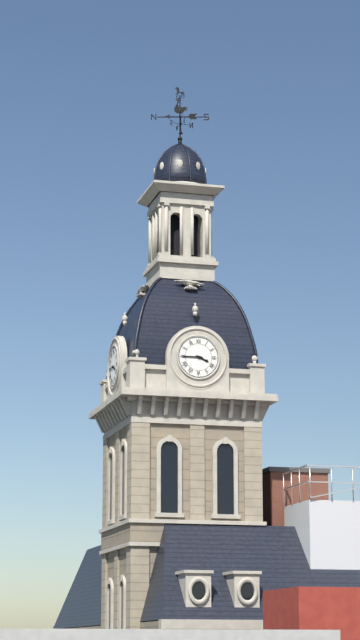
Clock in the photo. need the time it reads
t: 3:45
